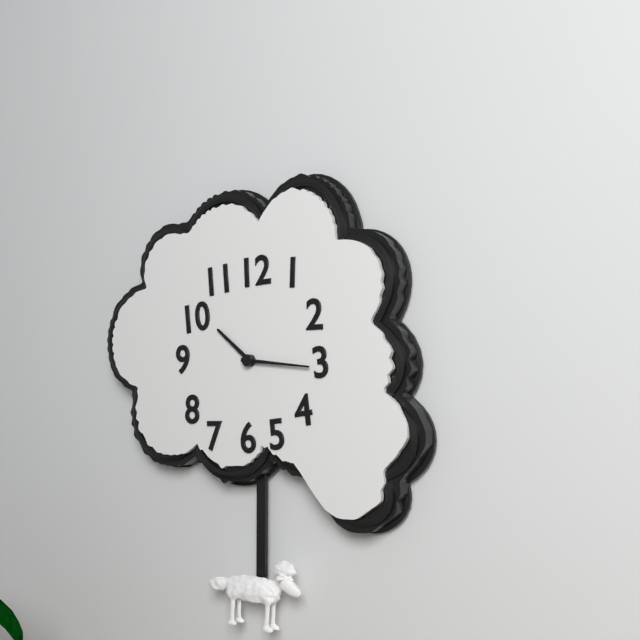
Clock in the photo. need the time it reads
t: 10:16
